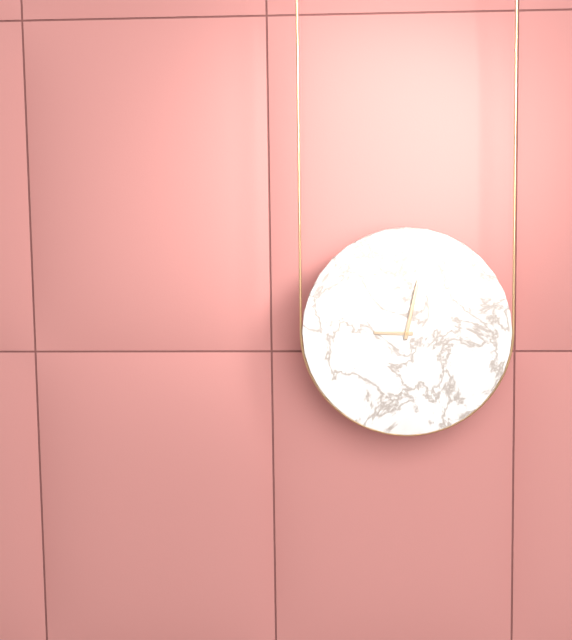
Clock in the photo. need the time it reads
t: 9:02
